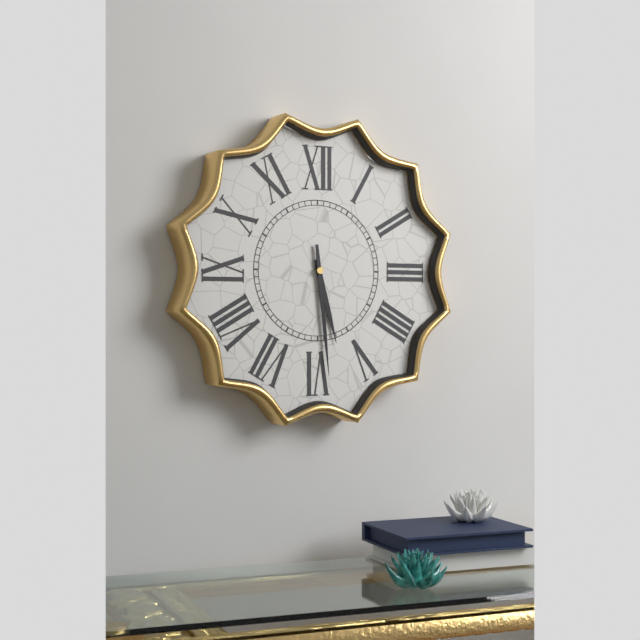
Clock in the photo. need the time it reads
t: 5:29
